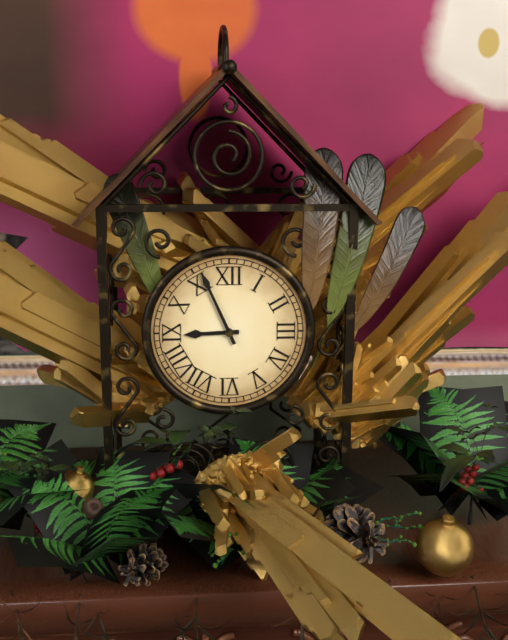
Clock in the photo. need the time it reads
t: 8:56
